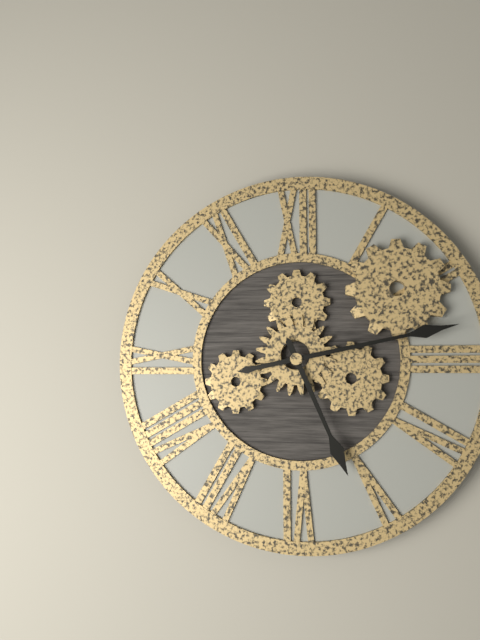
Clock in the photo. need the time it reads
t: 5:13
